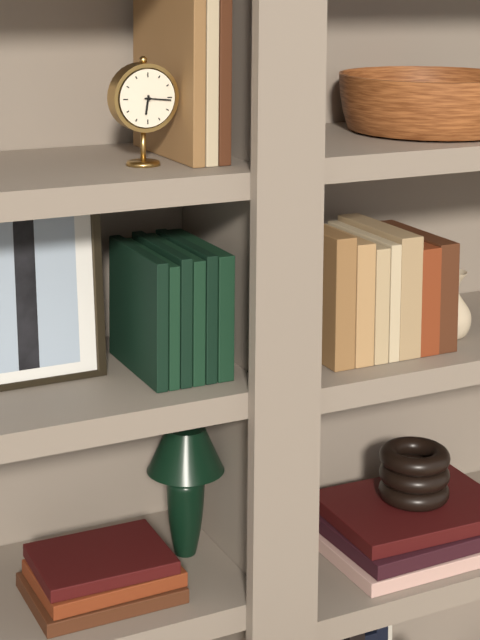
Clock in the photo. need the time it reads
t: 6:16
